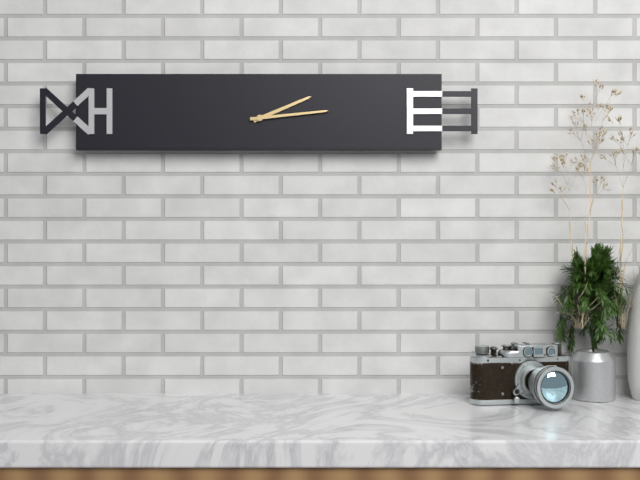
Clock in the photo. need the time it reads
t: 2:14
